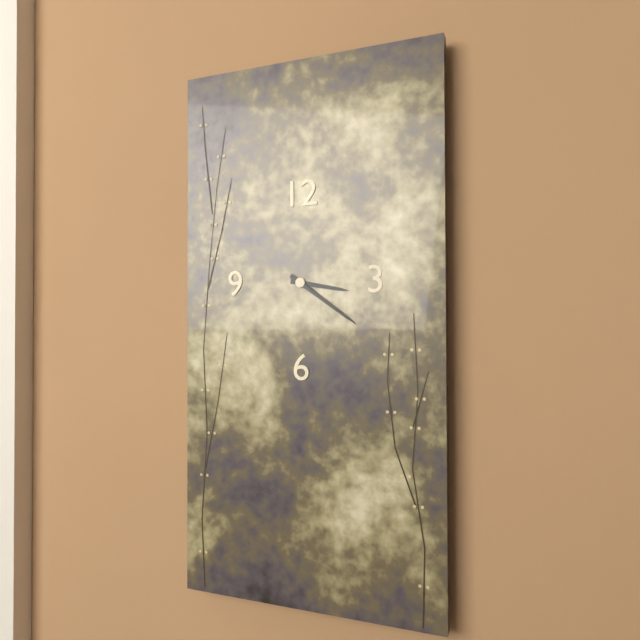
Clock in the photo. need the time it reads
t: 3:21
